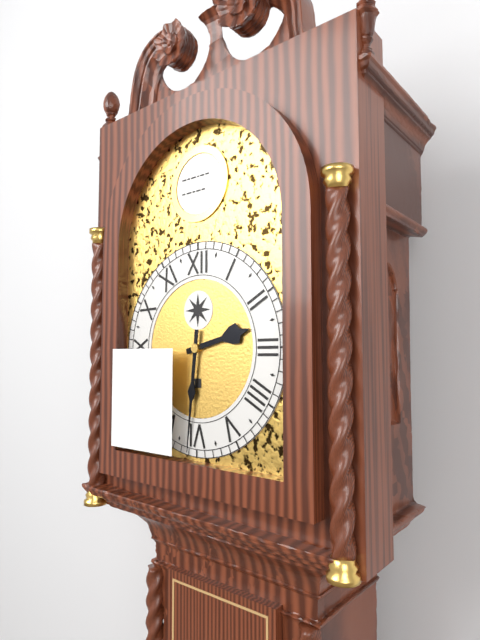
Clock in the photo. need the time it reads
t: 2:31
